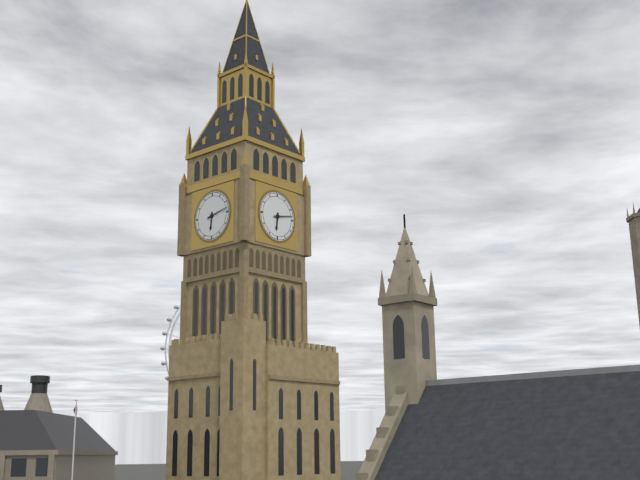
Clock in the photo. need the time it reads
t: 6:13
